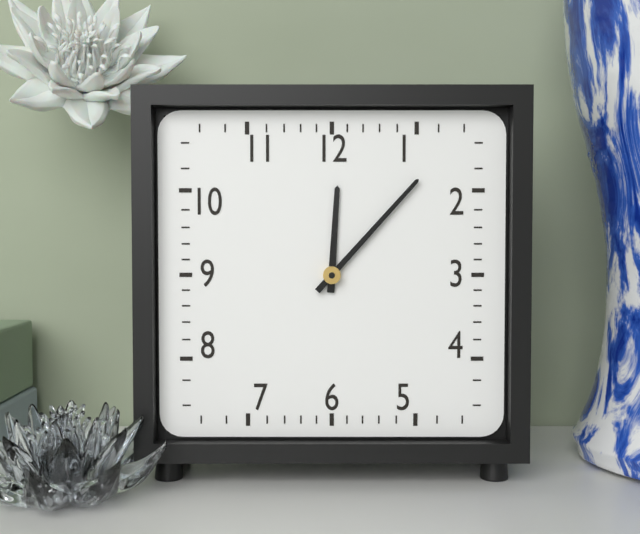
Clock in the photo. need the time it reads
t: 12:07
